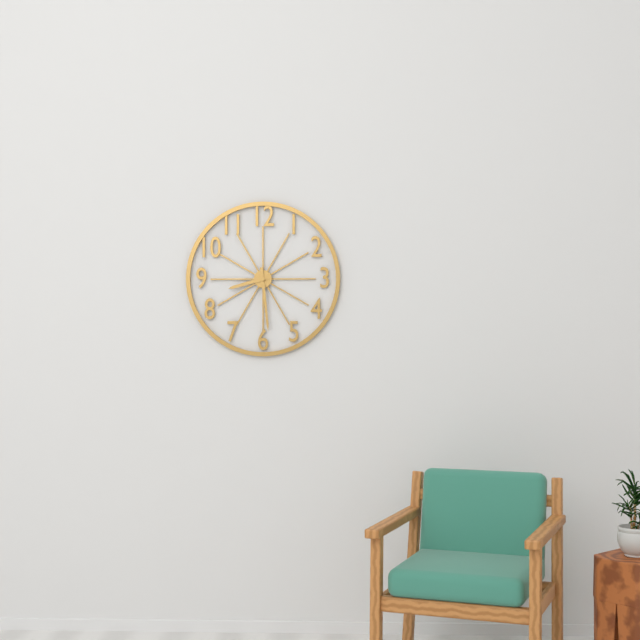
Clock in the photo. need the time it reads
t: 8:29
